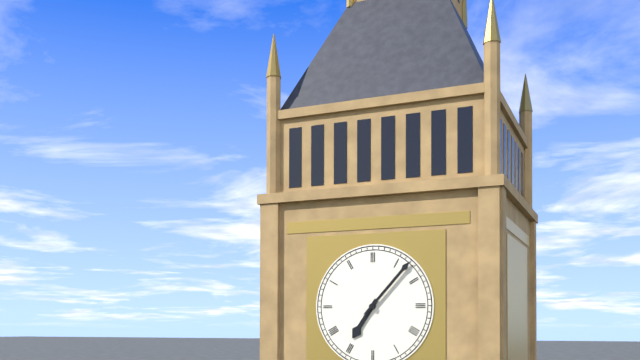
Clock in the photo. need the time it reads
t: 7:07
